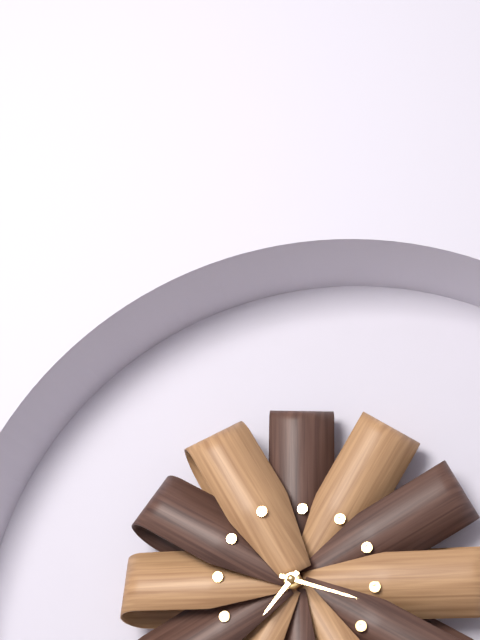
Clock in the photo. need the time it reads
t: 7:18
